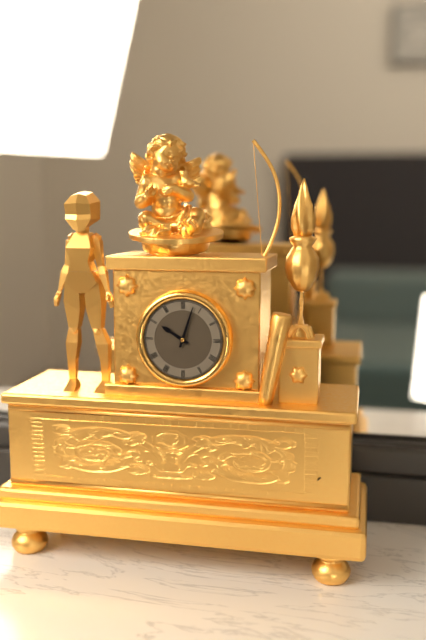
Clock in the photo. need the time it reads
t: 10:03
